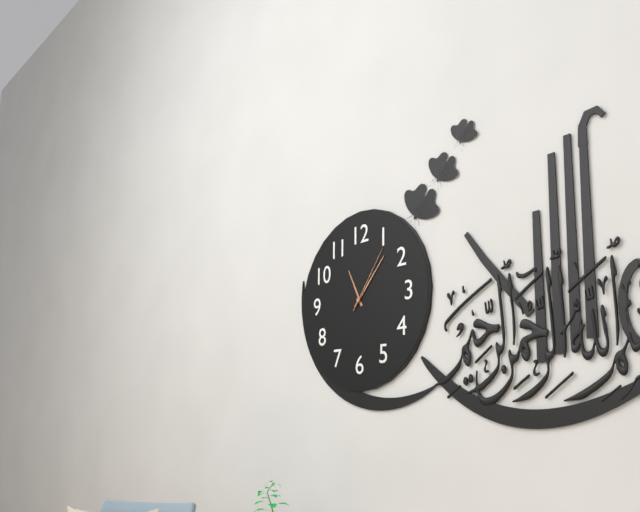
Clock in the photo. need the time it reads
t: 11:07:06
